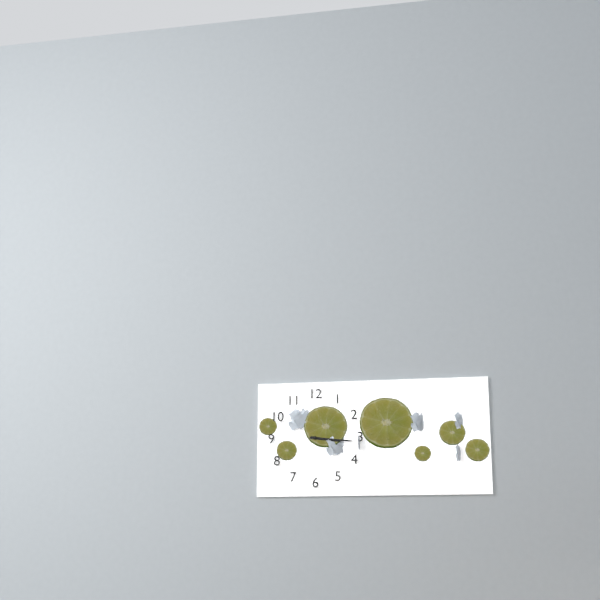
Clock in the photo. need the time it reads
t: 3:16
